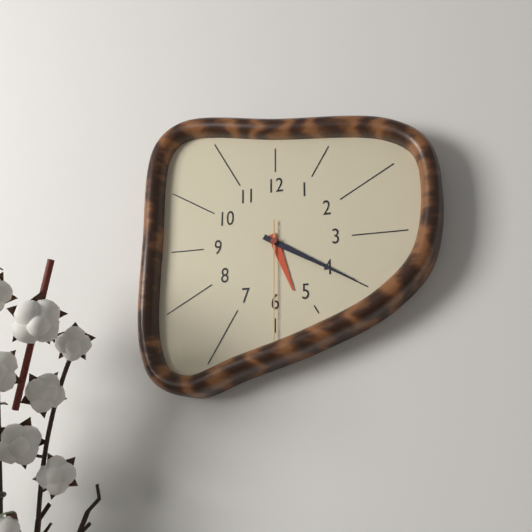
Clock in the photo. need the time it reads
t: 5:20:30
